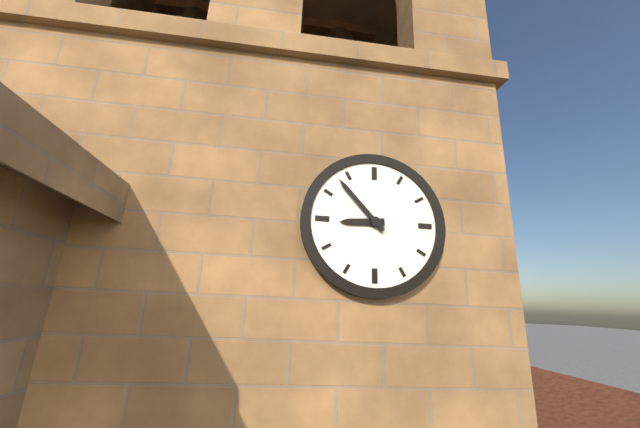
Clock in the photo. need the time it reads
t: 8:53
